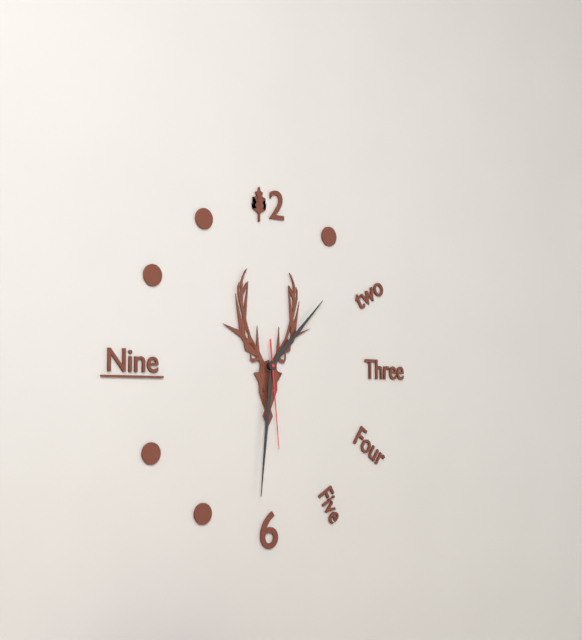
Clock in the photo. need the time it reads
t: 1:31:29
